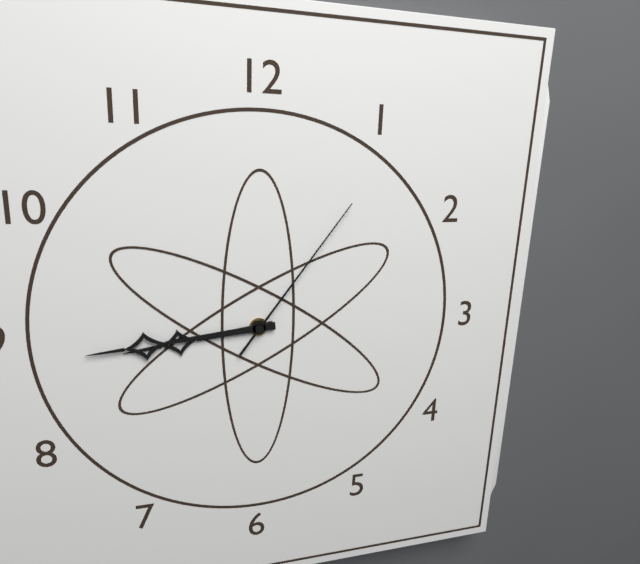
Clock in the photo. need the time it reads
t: 8:44:06
